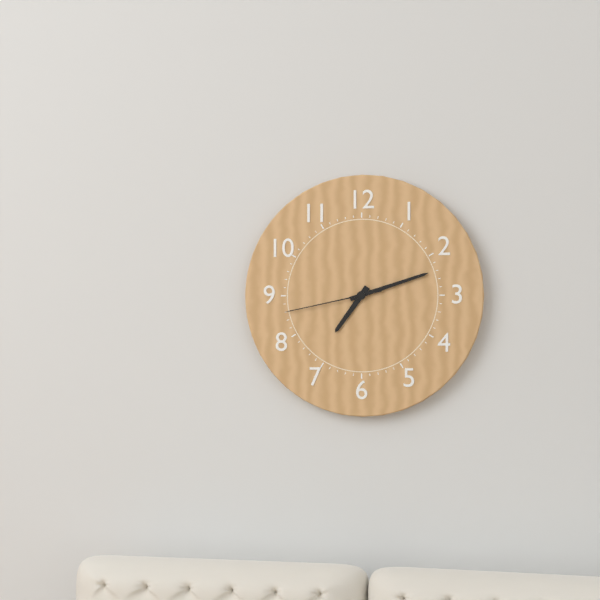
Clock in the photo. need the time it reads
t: 7:12:43
